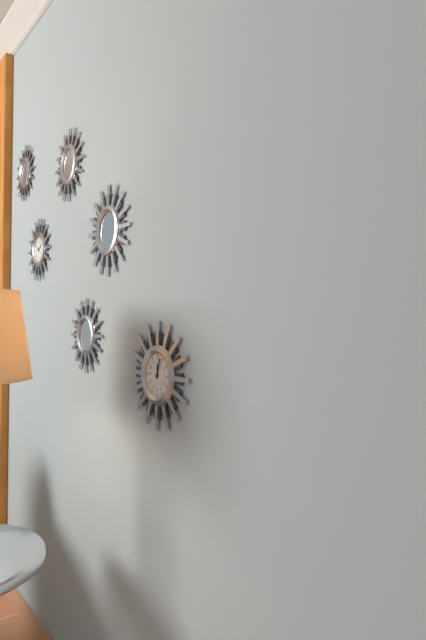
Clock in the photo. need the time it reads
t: 12:03
